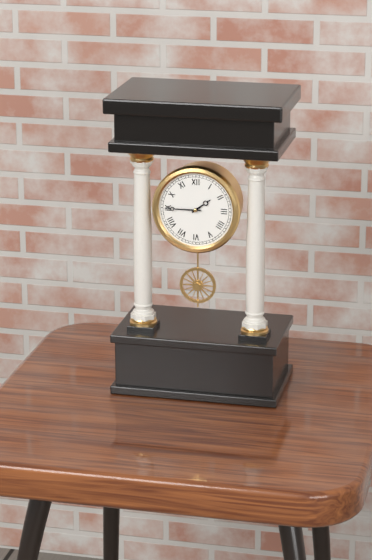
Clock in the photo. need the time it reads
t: 1:45
